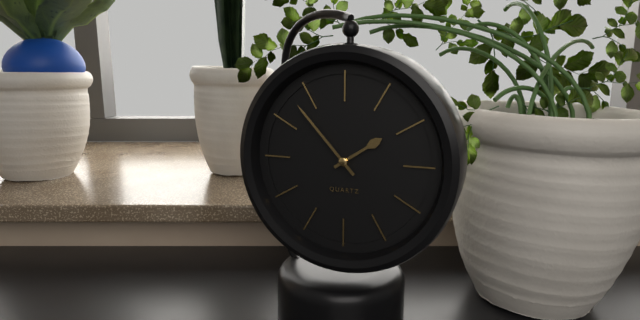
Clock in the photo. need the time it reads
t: 1:53
